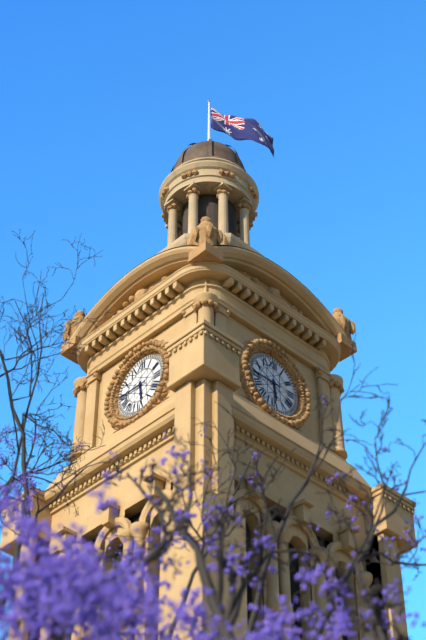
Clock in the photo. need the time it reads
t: 5:45
